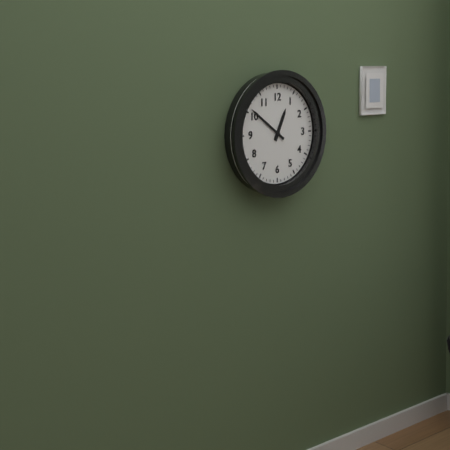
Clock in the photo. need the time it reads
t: 12:51
